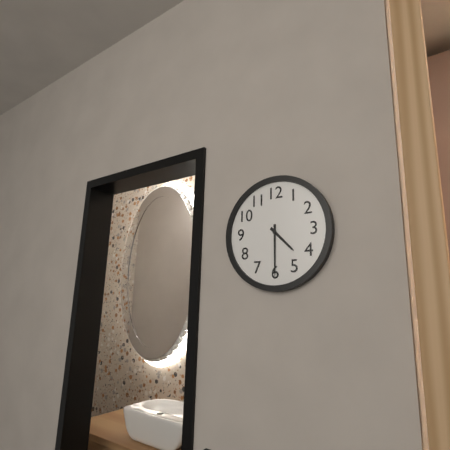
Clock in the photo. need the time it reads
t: 4:30
